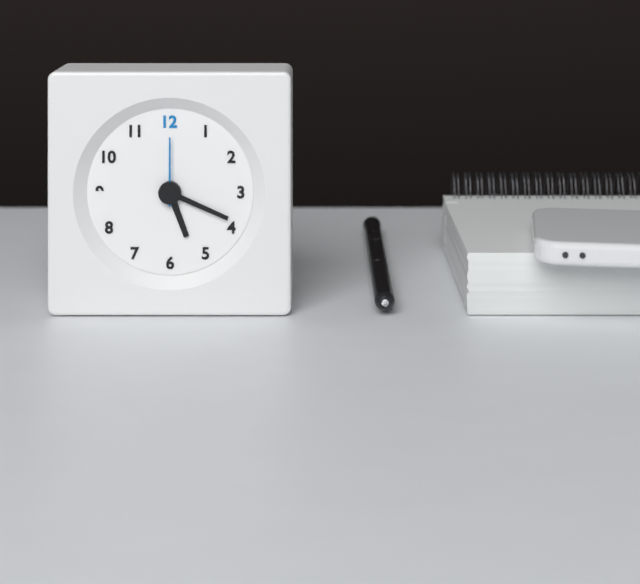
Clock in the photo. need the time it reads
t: 5:19:00
